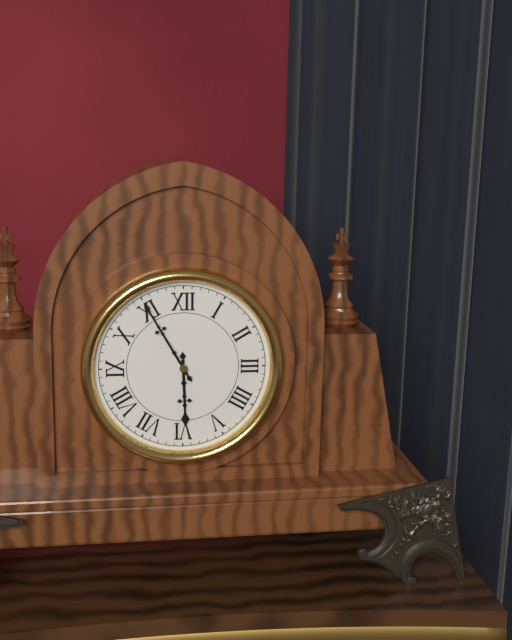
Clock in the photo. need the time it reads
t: 5:55
